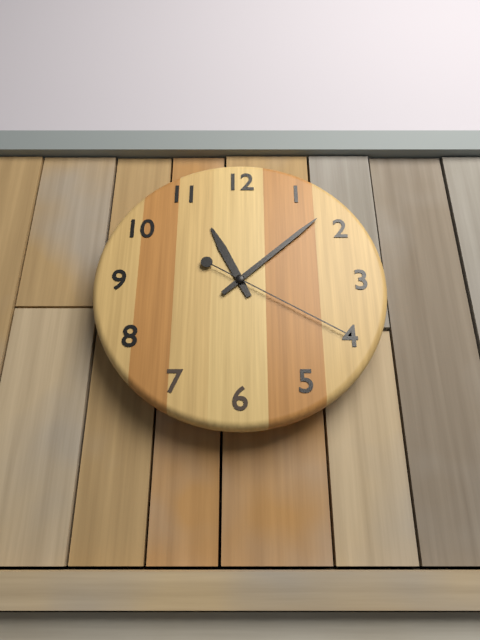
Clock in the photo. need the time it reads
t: 11:08:20
